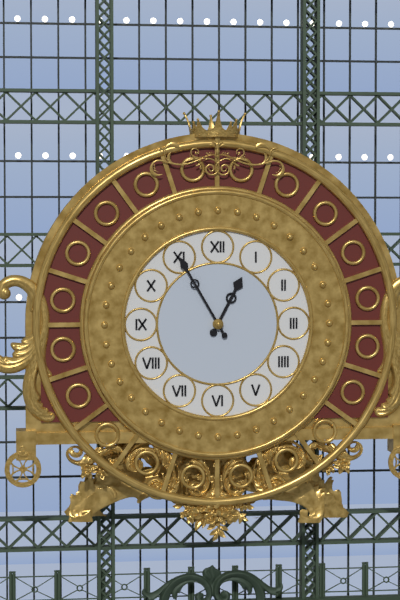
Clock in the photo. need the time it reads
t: 12:55
